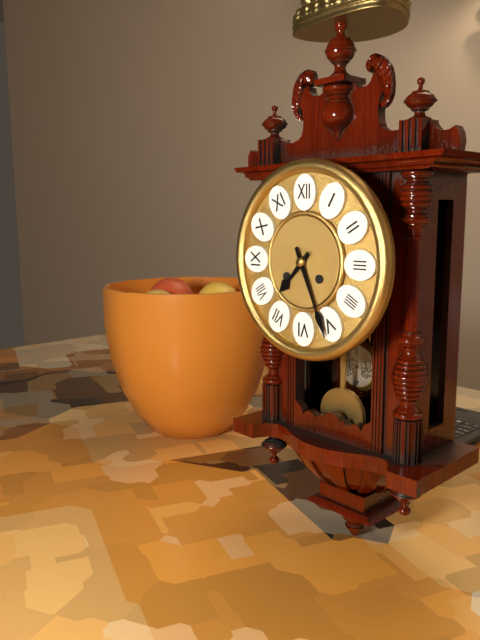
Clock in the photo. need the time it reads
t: 7:26
